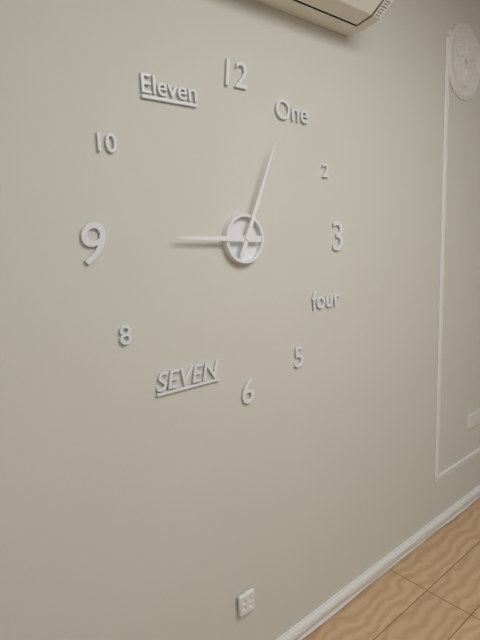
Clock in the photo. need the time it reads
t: 9:04
